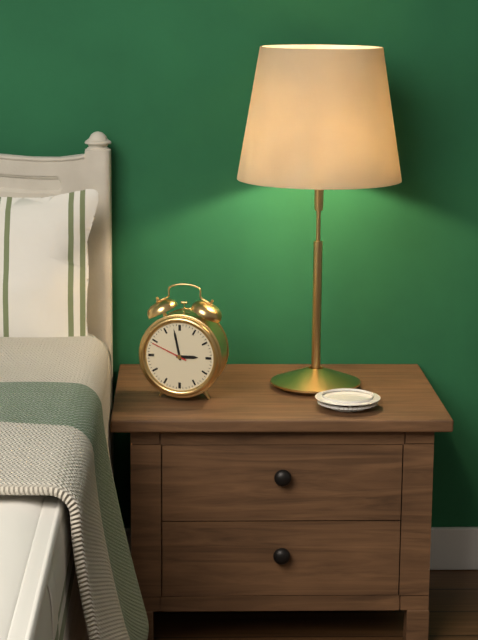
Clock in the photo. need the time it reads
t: 2:58
